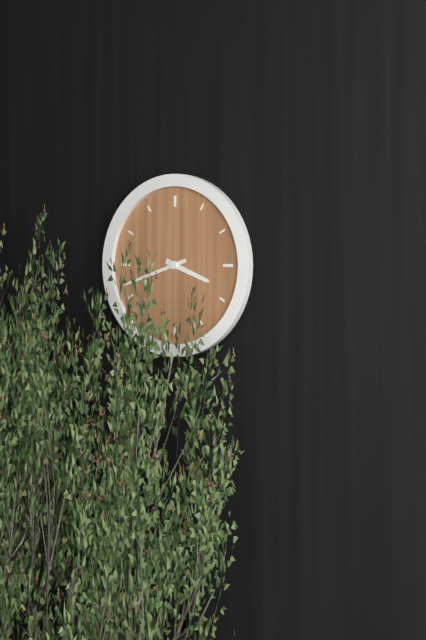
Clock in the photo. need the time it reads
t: 3:42
